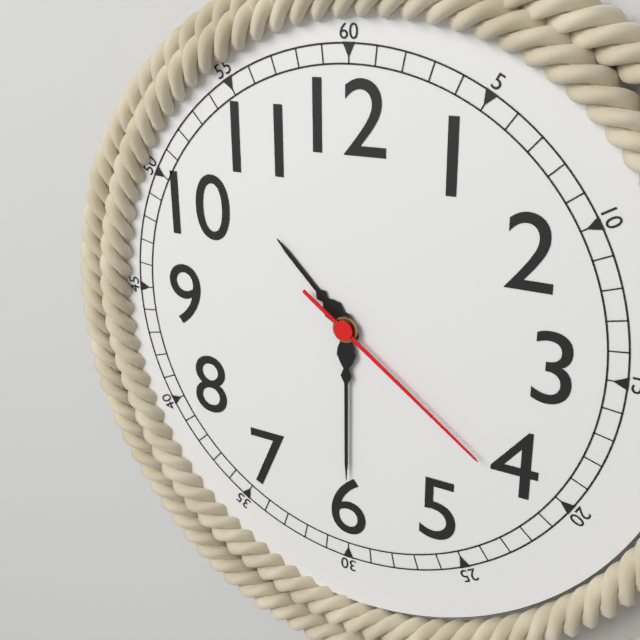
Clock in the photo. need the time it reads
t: 10:30:21
